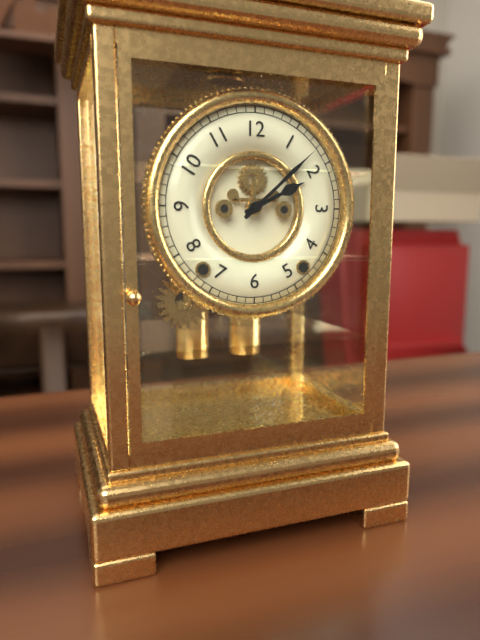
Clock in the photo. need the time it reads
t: 2:08
